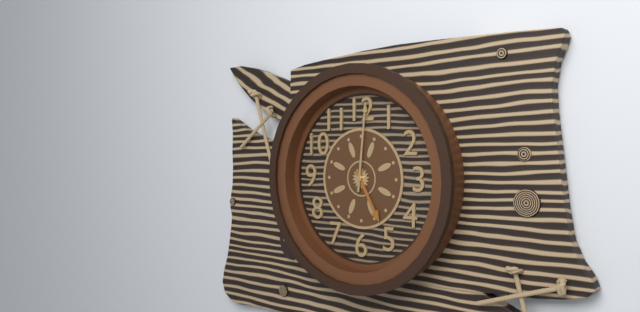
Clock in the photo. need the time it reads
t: 5:01
